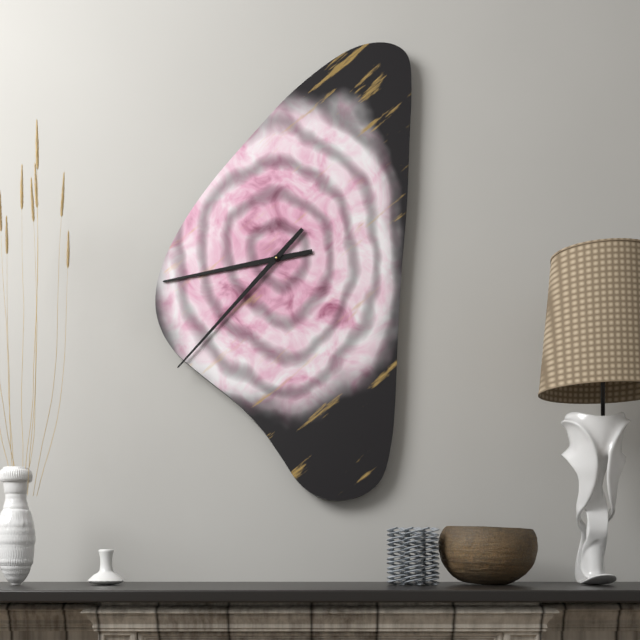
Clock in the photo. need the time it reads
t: 8:37
